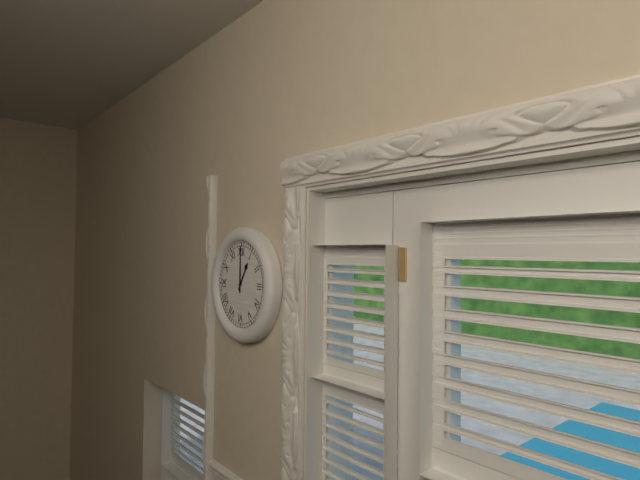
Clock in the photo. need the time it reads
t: 1:00
